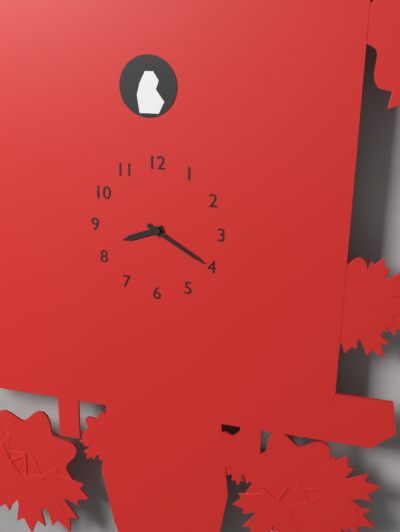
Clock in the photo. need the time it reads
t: 8:20
